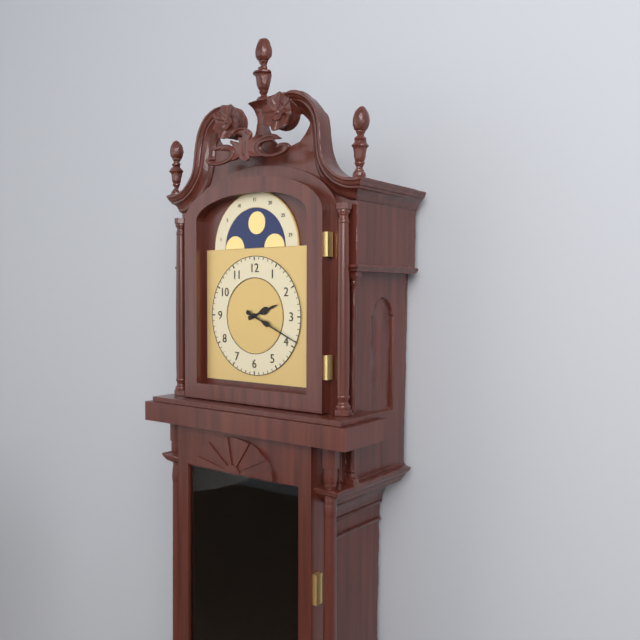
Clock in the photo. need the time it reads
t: 2:19
